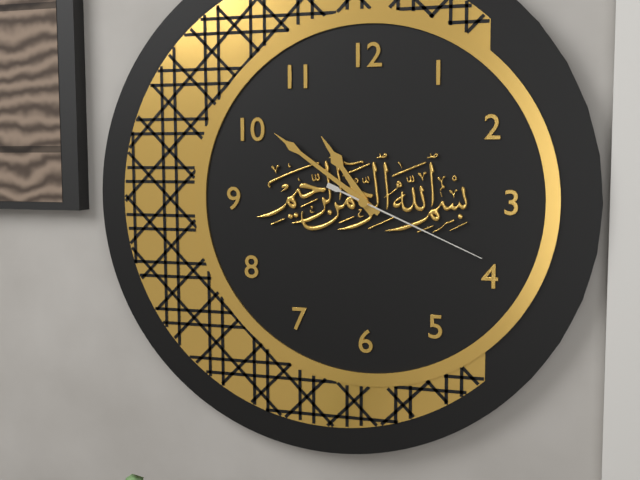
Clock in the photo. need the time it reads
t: 10:51:19
